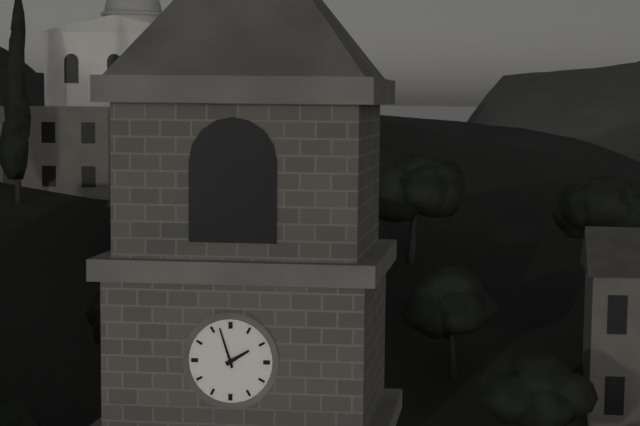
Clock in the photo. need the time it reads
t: 1:57
